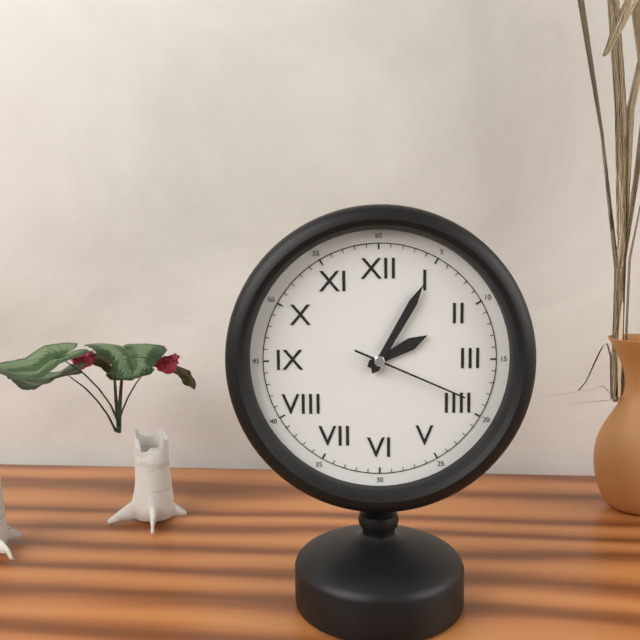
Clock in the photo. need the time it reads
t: 2:05:19
